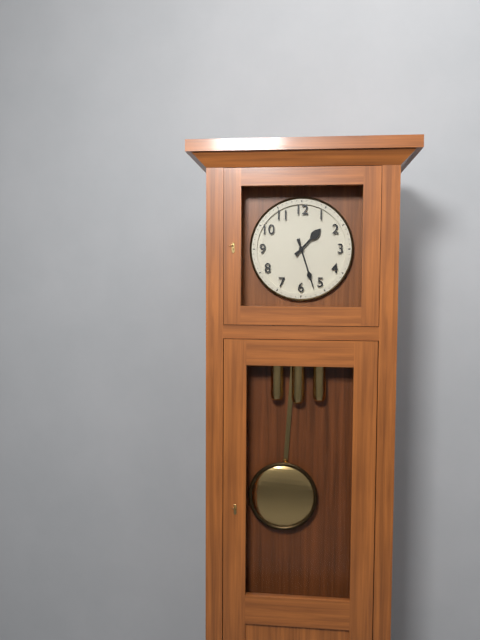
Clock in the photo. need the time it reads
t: 1:27
